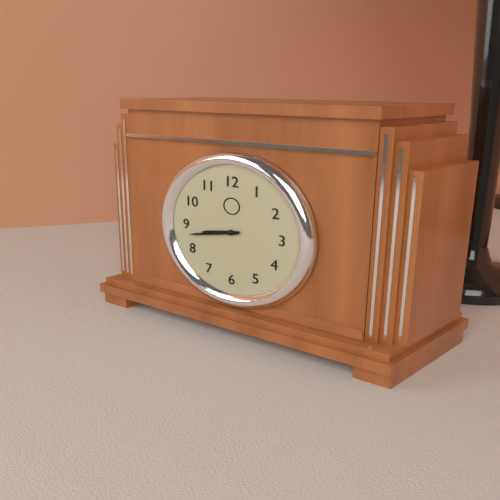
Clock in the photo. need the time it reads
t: 8:43
